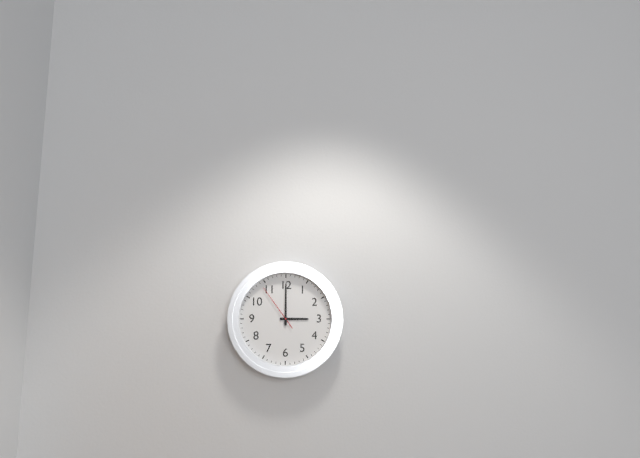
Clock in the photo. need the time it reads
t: 3:00
